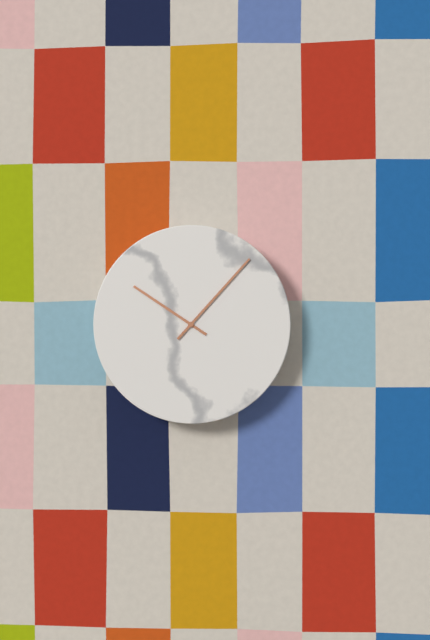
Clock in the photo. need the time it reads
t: 10:07
